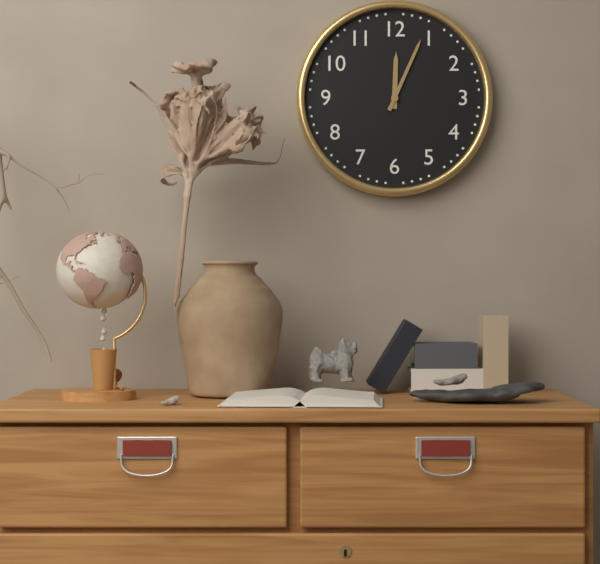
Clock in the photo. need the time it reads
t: 12:04
